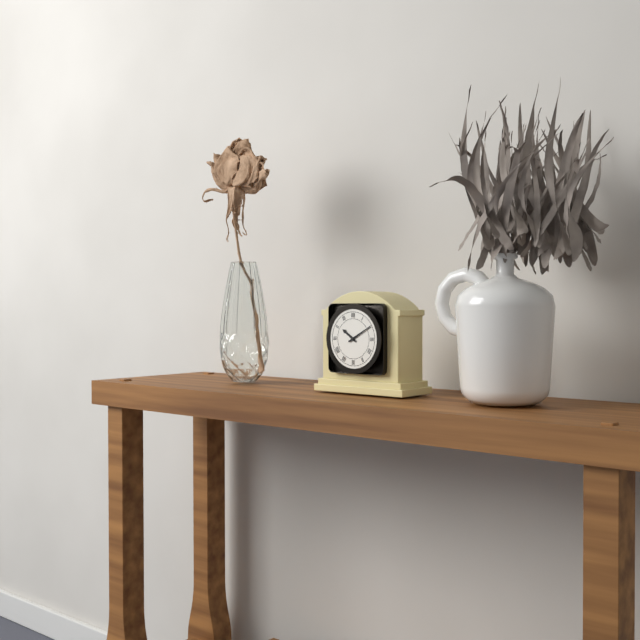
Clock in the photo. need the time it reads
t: 10:10
